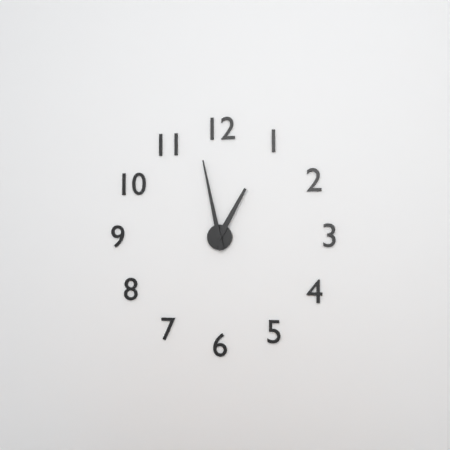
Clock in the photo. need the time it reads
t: 12:58
